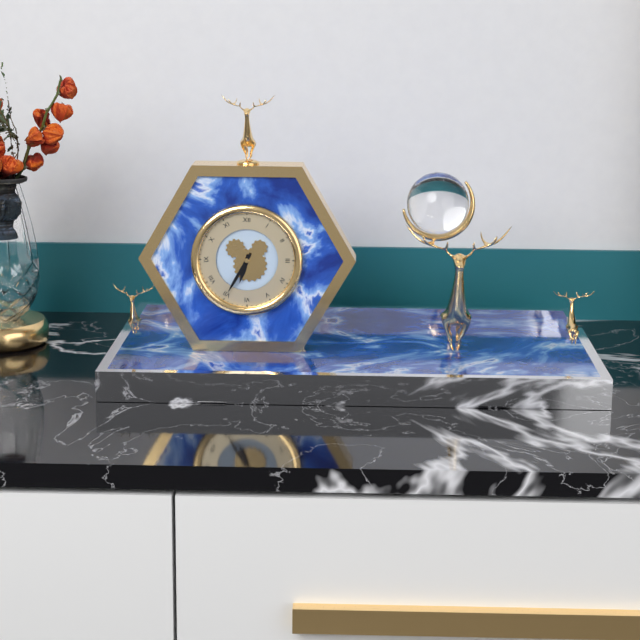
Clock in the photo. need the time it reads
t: 6:35
